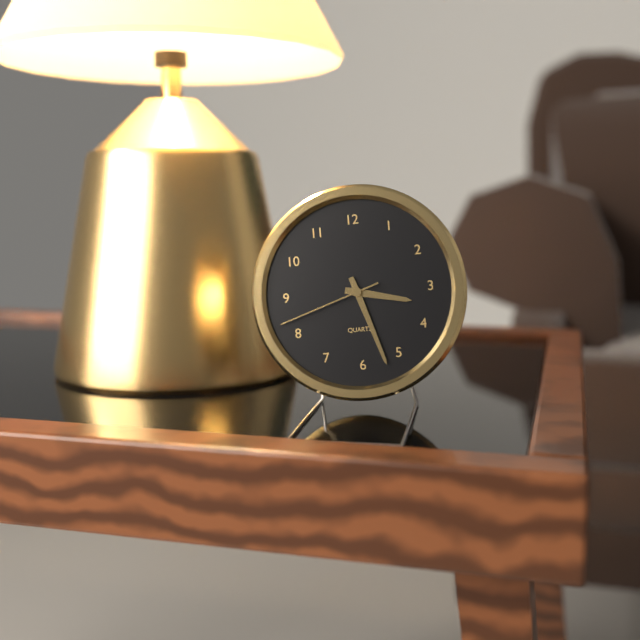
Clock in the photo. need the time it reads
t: 3:27:42
